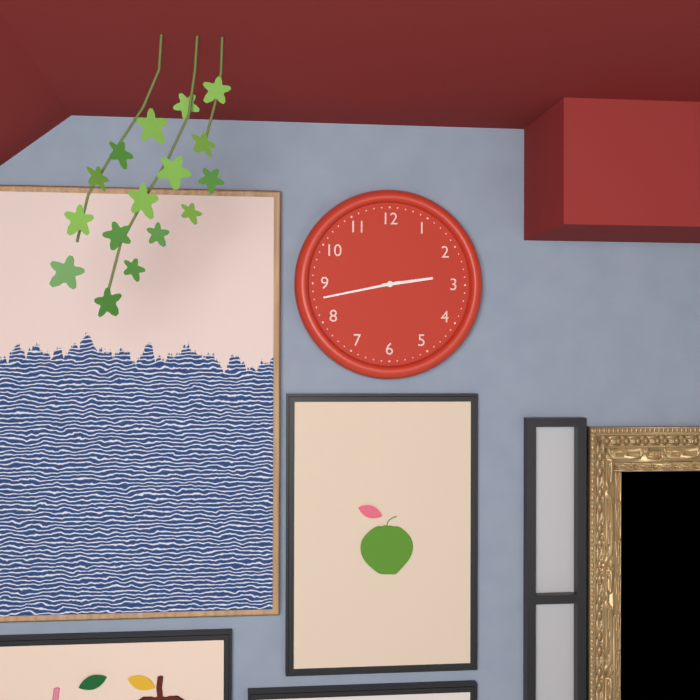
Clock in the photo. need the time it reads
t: 2:43
